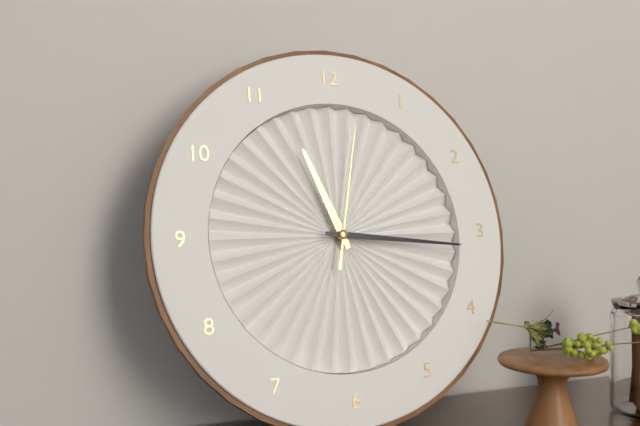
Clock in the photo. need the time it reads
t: 11:16:02
